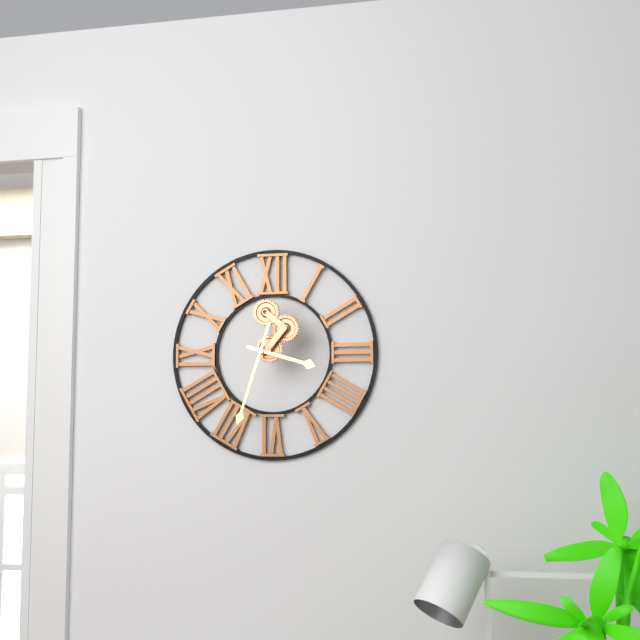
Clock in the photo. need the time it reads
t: 3:33
